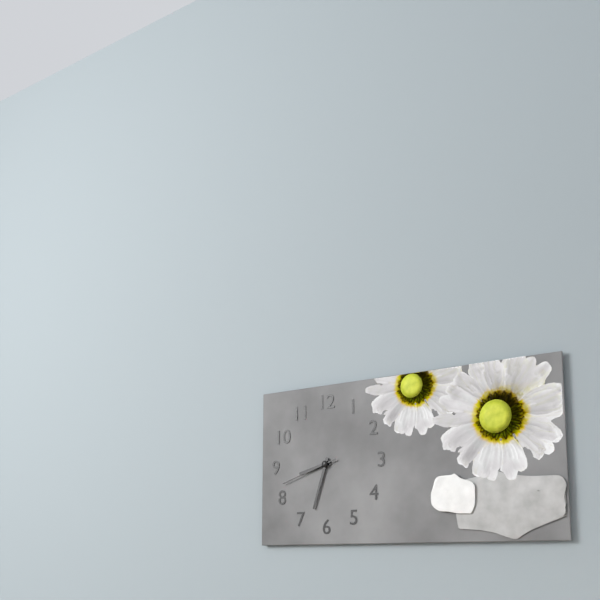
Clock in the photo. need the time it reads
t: 8:33:42
